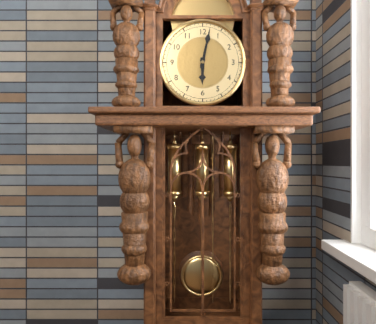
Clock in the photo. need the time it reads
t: 6:02
